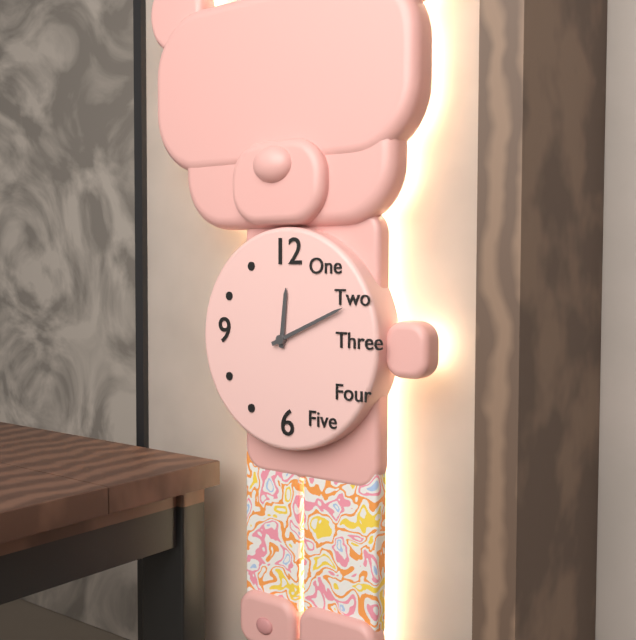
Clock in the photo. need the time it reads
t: 12:11
